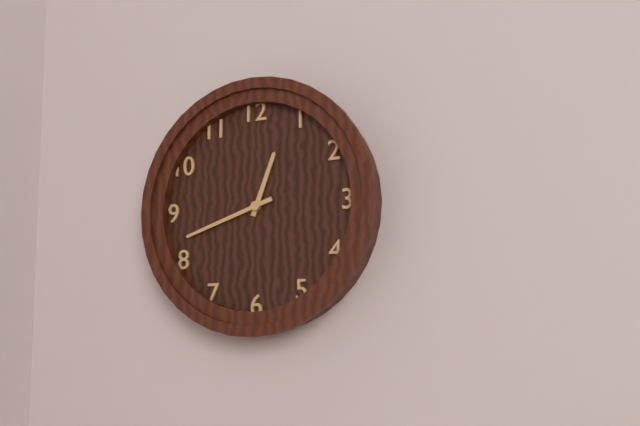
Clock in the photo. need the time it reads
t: 12:42
